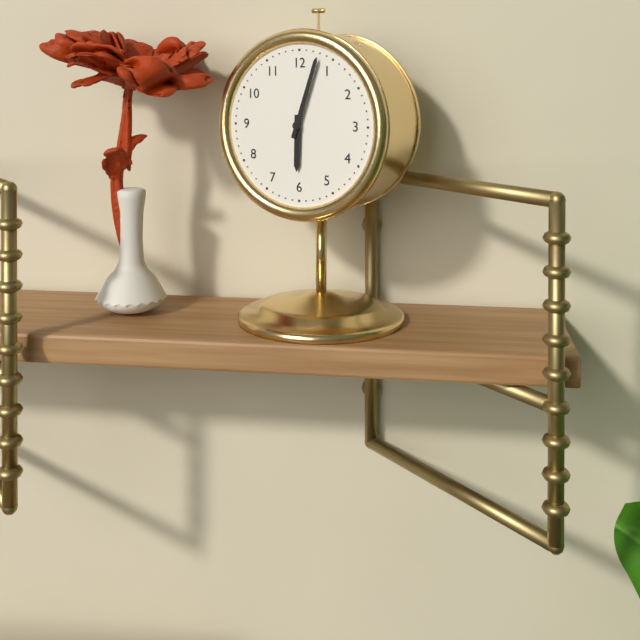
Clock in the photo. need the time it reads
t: 6:03
